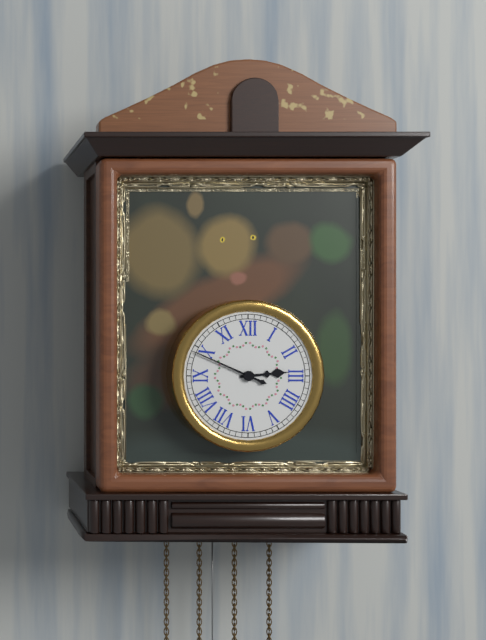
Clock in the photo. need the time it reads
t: 2:49
